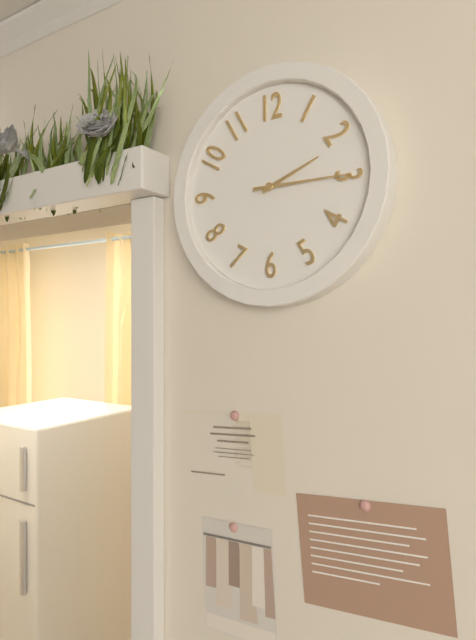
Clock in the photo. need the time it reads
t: 2:15
